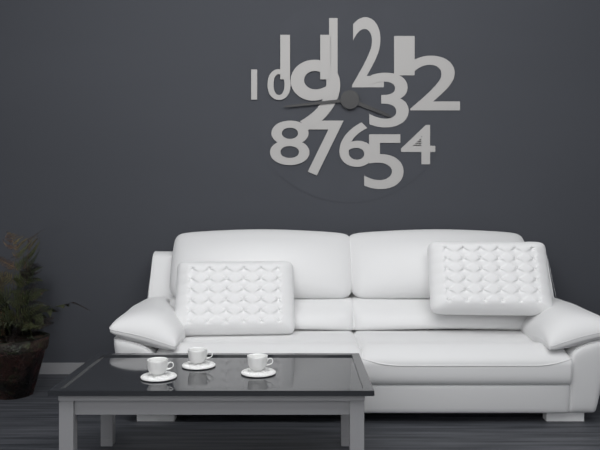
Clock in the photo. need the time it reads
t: 3:44
